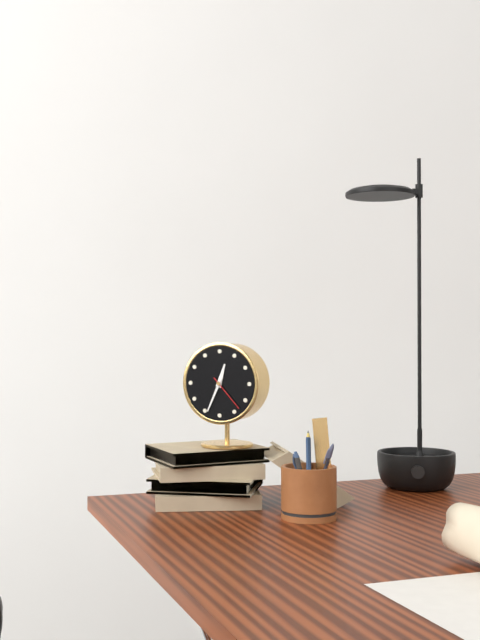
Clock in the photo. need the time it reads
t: 12:34
